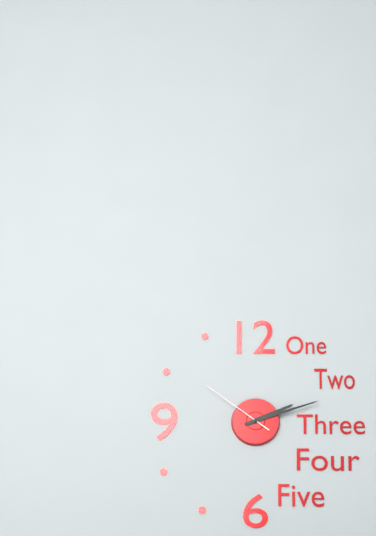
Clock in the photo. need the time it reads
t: 2:12:51
